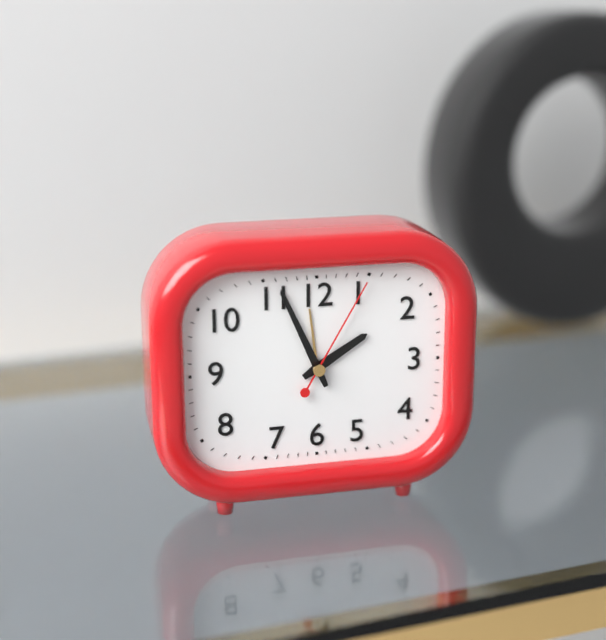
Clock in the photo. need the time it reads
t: 1:56:05
